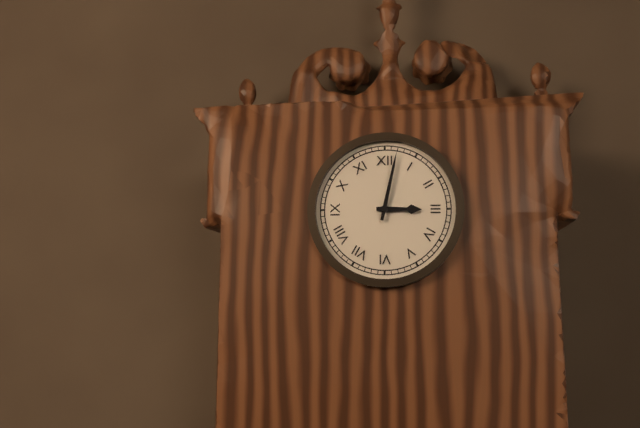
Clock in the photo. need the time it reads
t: 3:02
